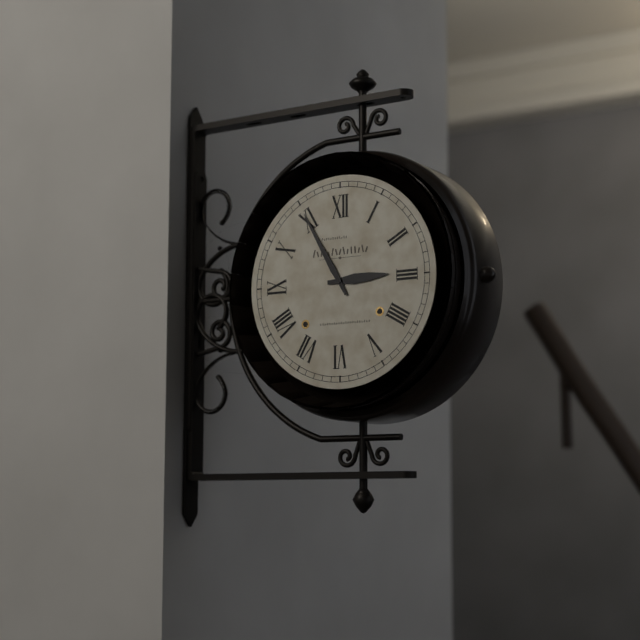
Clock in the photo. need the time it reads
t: 2:55
